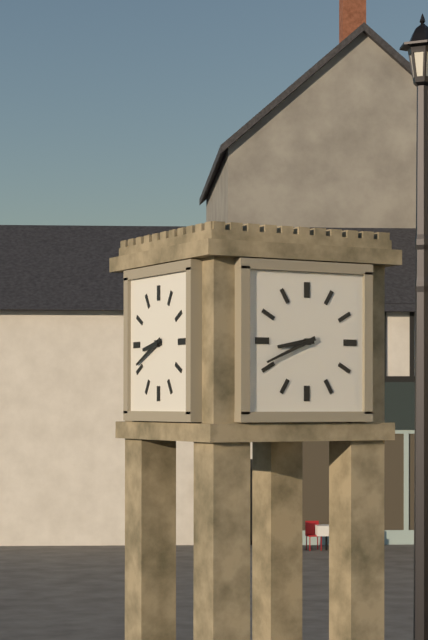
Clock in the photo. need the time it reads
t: 8:41
